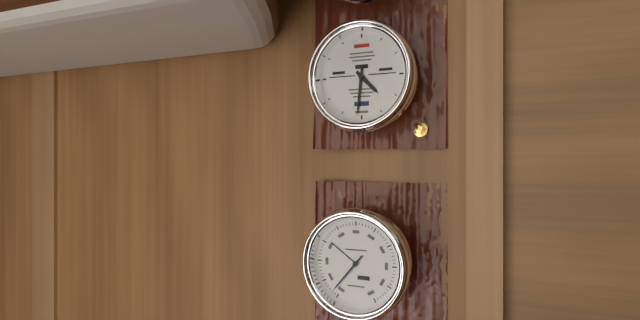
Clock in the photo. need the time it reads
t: 4:31
